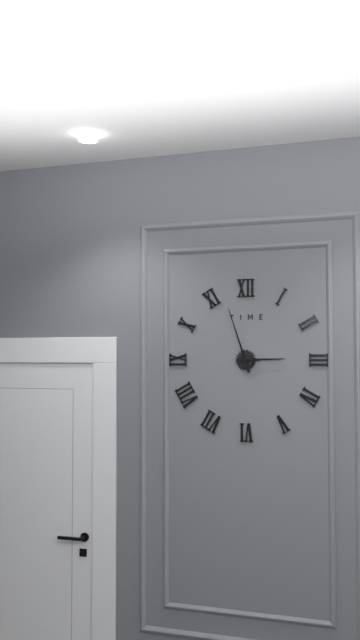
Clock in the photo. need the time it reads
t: 2:57
